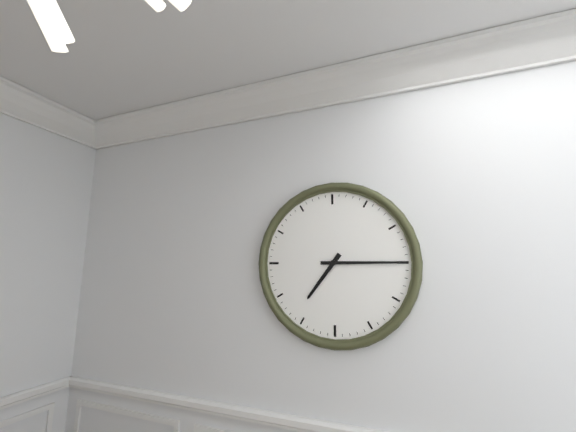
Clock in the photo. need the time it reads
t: 7:15
